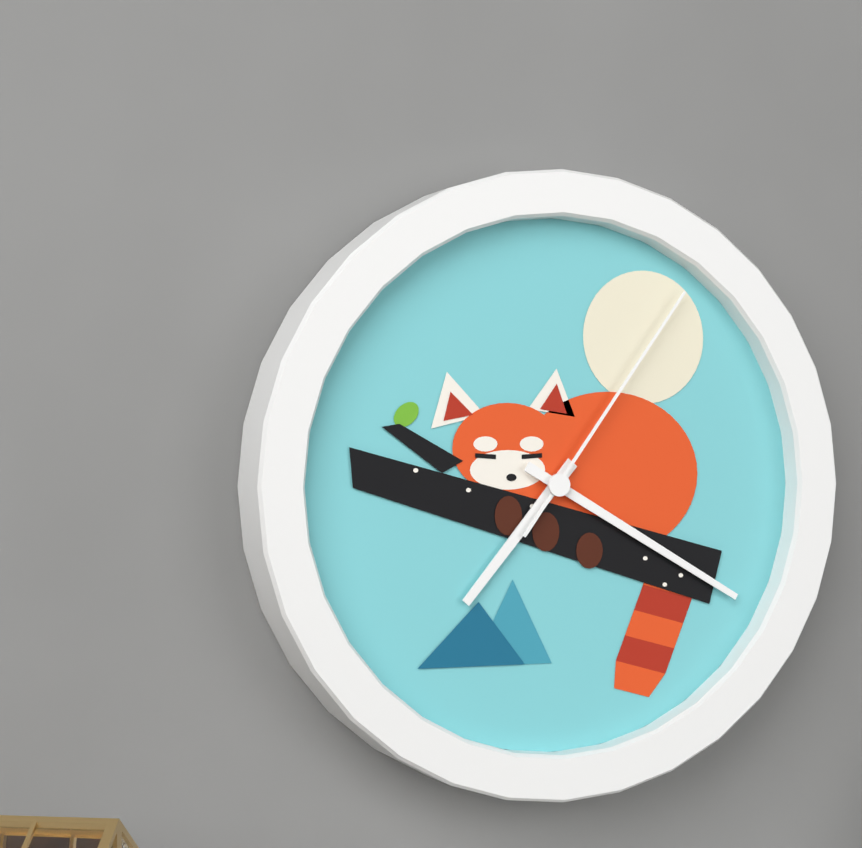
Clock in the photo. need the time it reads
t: 7:20:06
